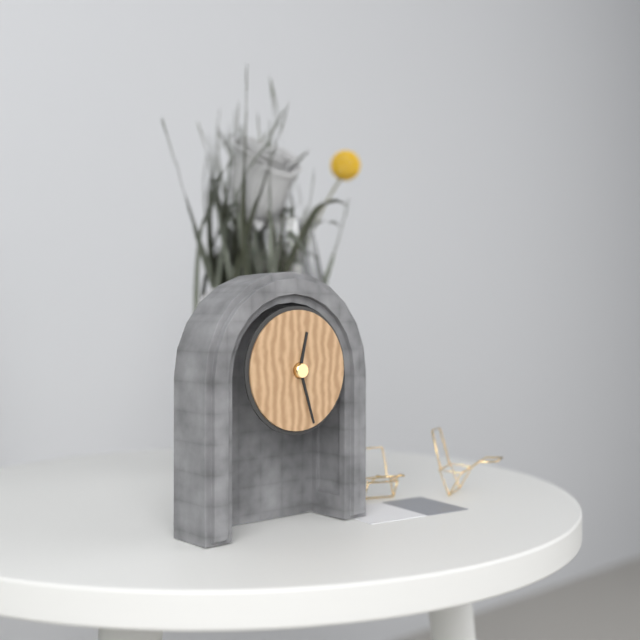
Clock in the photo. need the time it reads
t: 12:27
